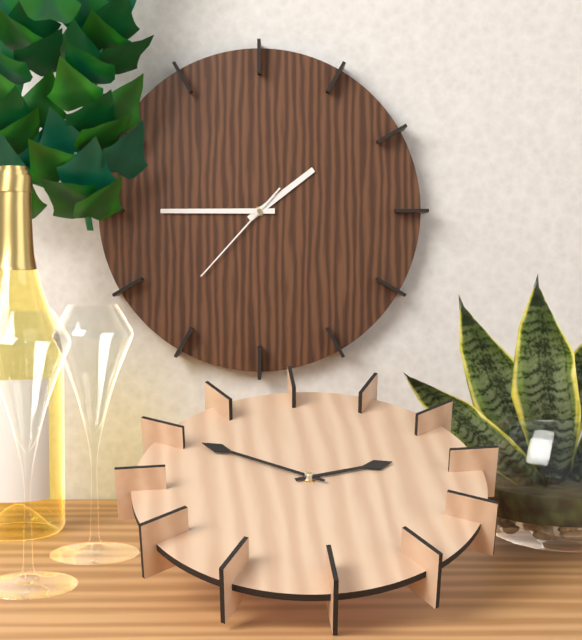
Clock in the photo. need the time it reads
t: 1:45:37
